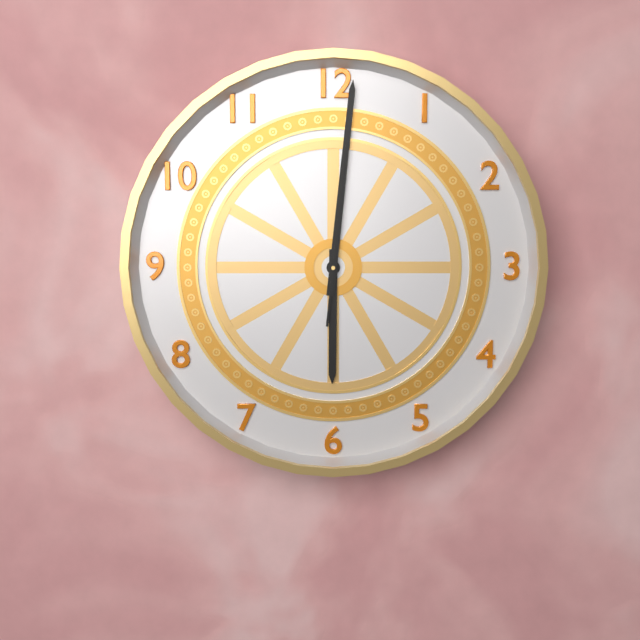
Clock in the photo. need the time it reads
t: 6:01:01
